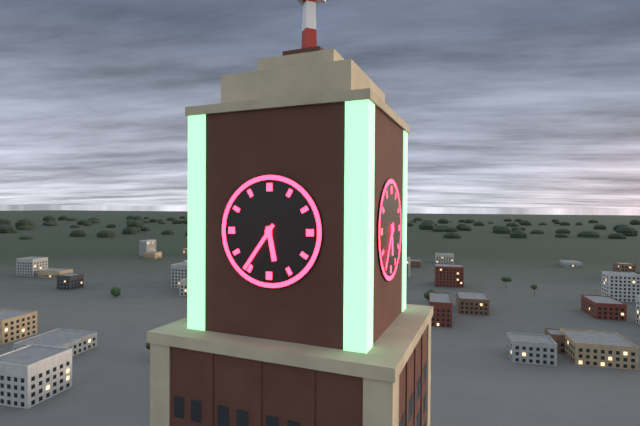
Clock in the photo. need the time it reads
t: 5:36
